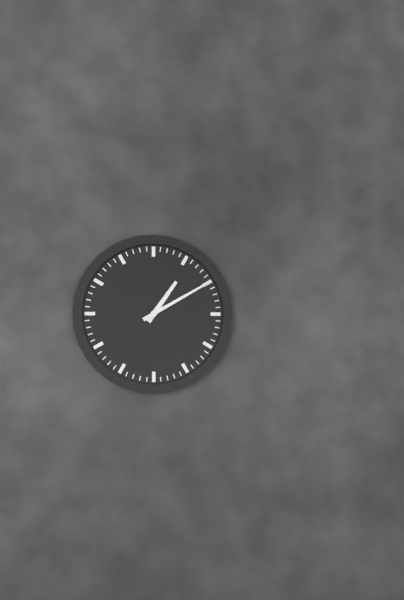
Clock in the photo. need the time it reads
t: 1:10
